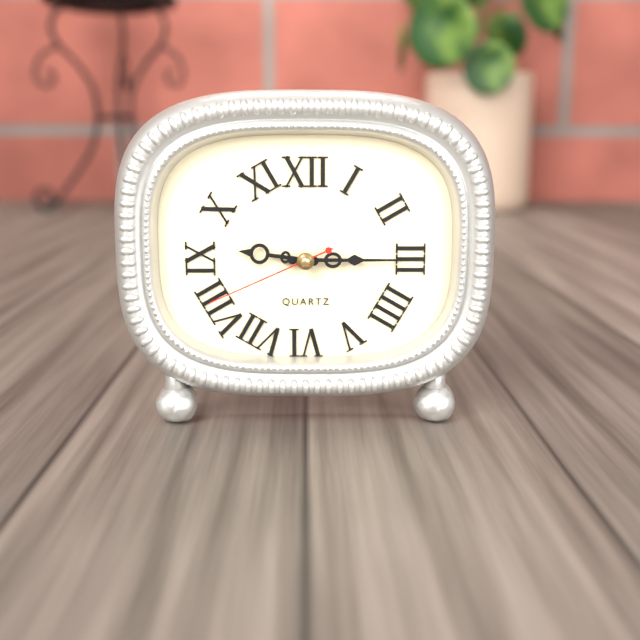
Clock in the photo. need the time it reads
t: 9:15:41
